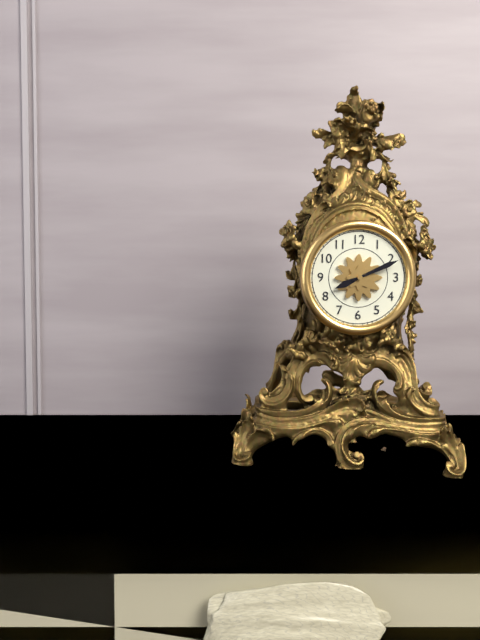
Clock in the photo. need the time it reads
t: 8:11
